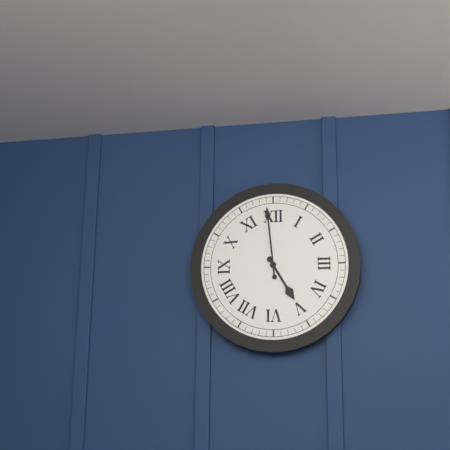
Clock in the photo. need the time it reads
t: 4:59
